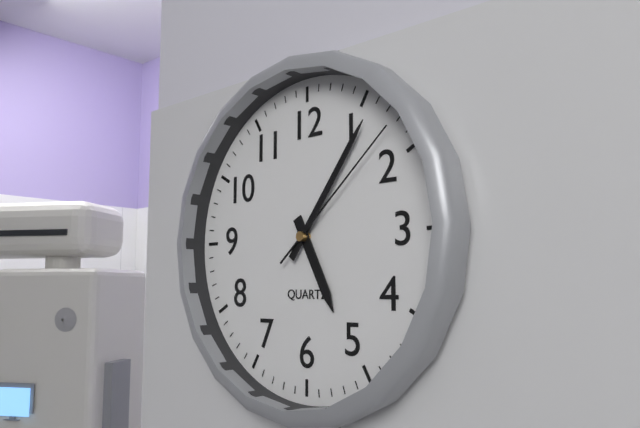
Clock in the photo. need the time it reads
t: 5:06:08
